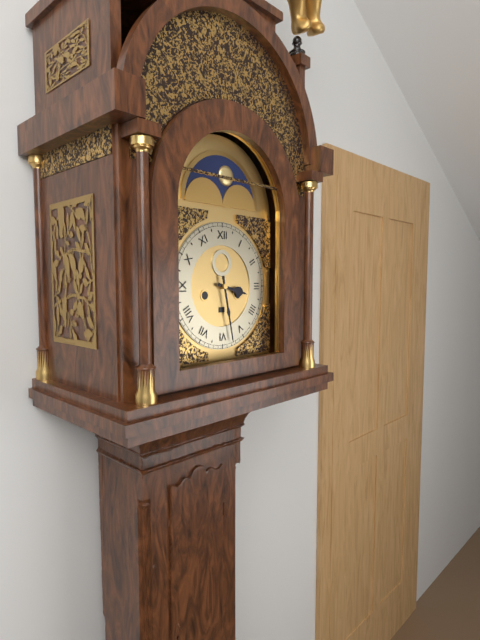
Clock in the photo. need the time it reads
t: 3:28
